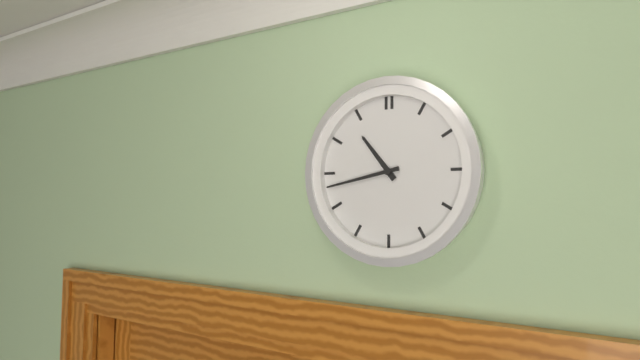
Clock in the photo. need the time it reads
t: 10:43
